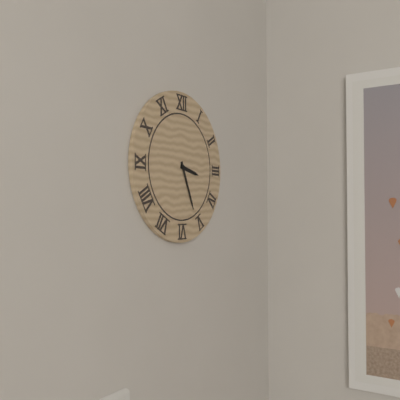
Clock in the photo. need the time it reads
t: 3:26
